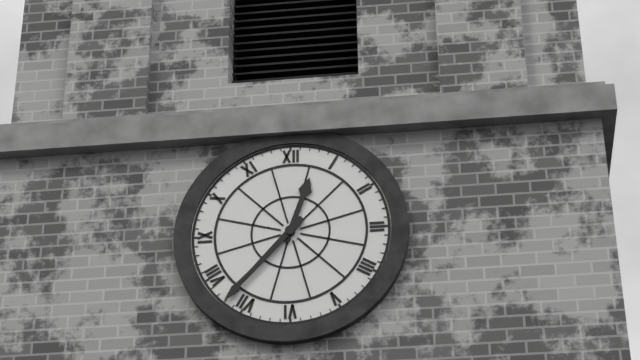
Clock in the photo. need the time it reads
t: 12:37
